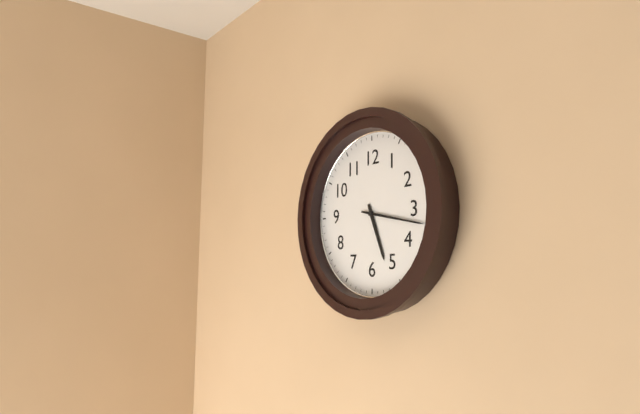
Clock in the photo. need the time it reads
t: 5:17
